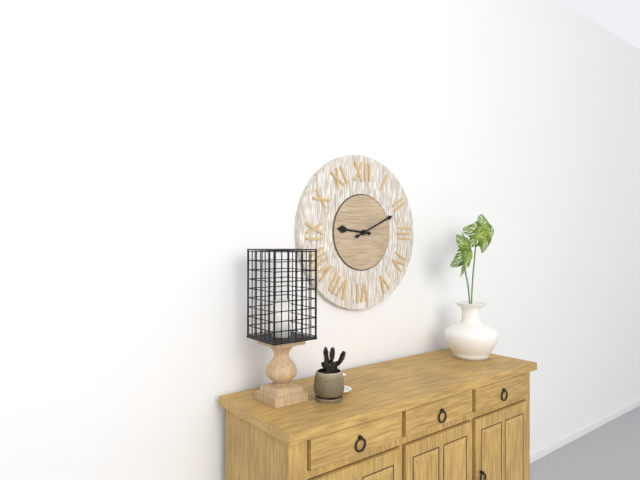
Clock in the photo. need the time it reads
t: 9:11
